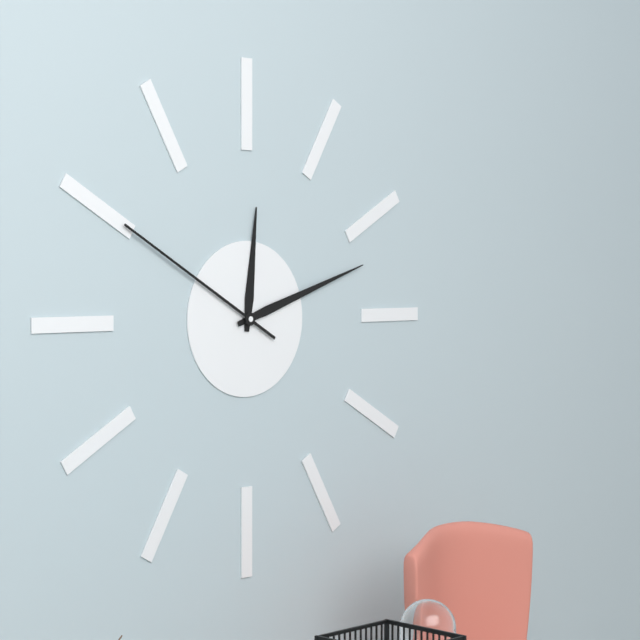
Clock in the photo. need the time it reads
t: 12:12:50
